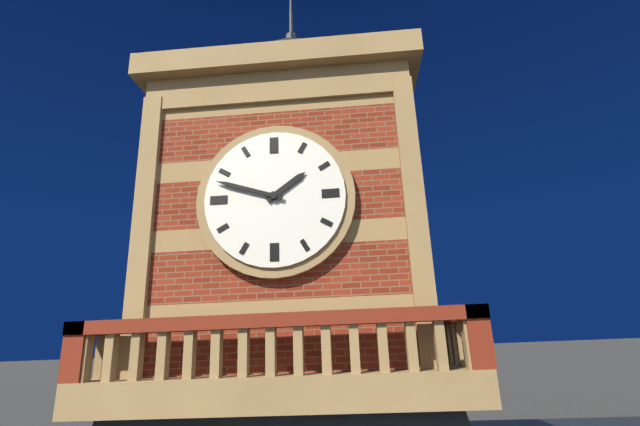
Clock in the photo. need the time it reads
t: 1:48
